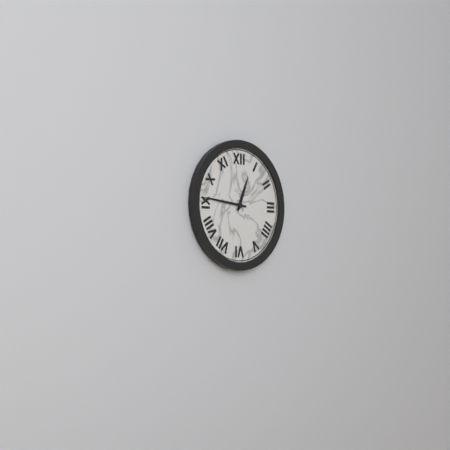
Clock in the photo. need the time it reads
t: 12:46
